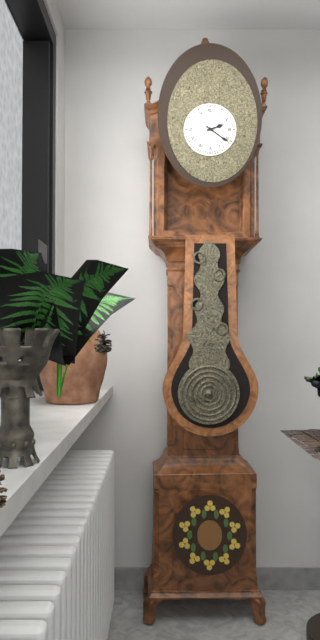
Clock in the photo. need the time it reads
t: 2:21
